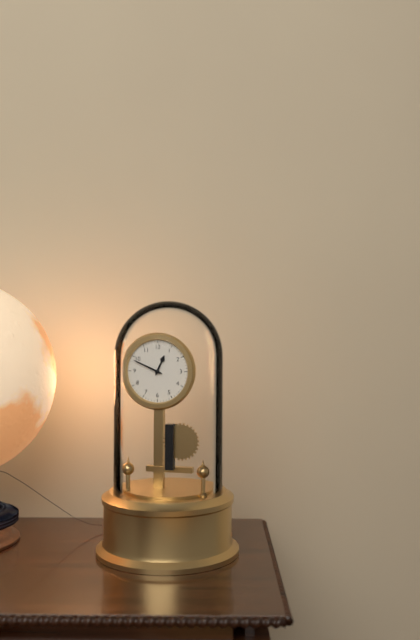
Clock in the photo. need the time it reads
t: 12:49
